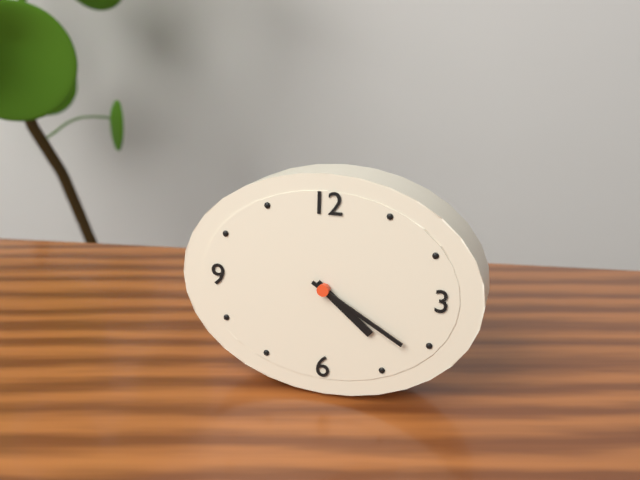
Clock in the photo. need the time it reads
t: 4:20
